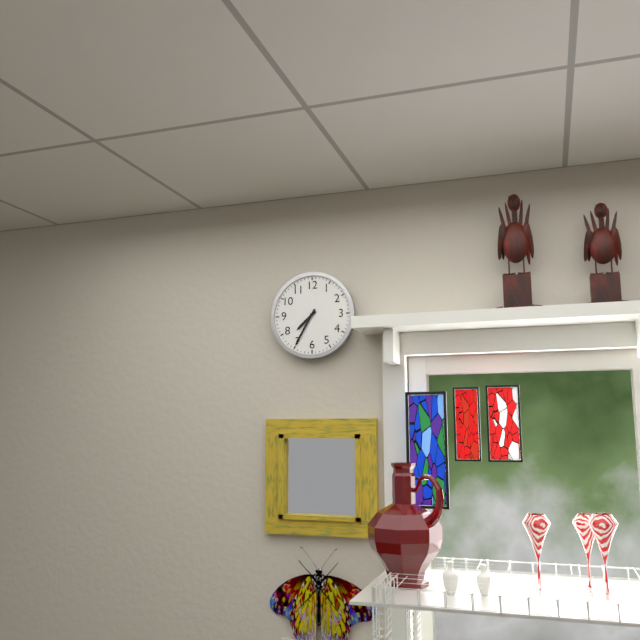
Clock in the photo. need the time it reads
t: 7:35
